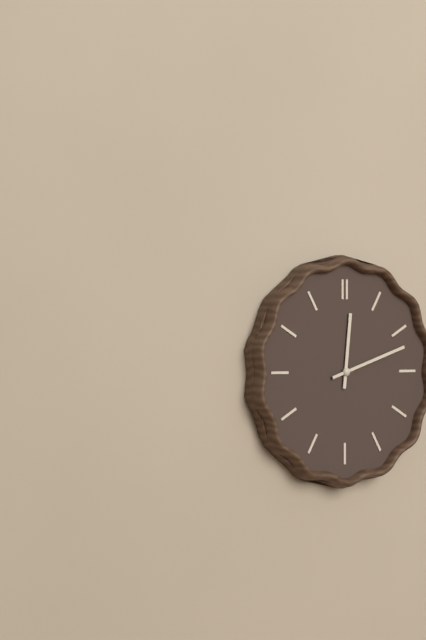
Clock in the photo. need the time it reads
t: 12:12
